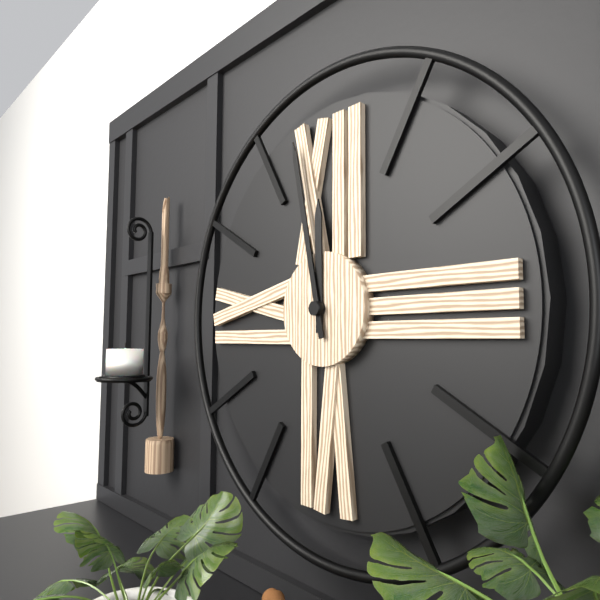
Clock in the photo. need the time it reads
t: 11:58
